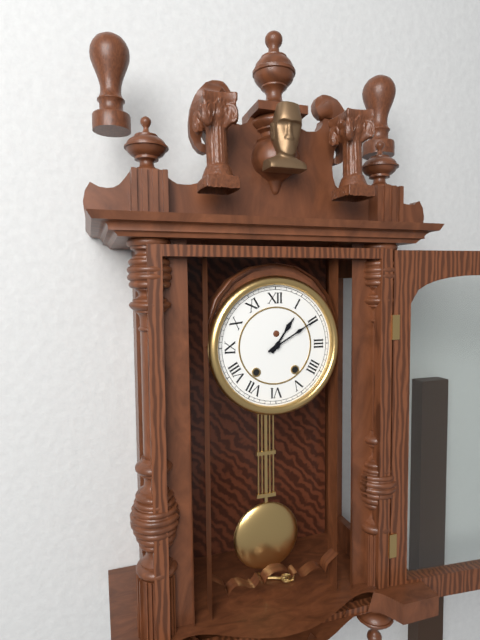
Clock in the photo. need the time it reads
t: 1:10
